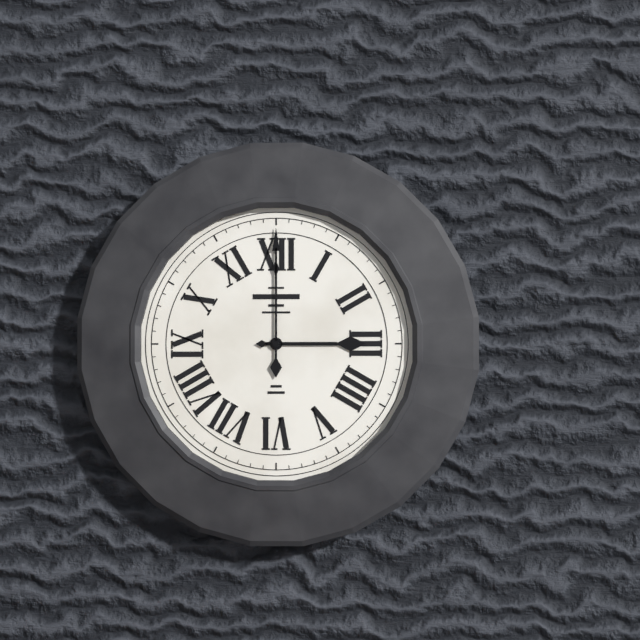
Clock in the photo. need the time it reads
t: 3:00
